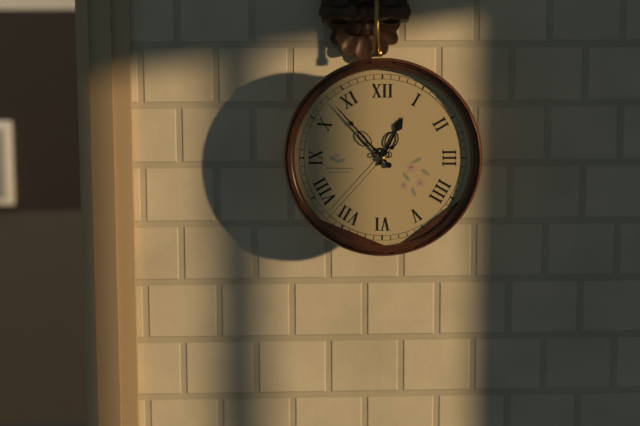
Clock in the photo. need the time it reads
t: 12:53:37
